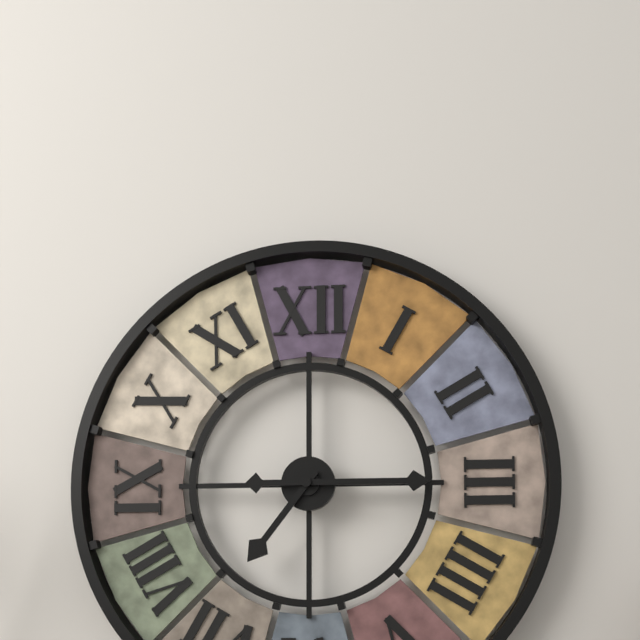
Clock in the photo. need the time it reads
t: 7:15
